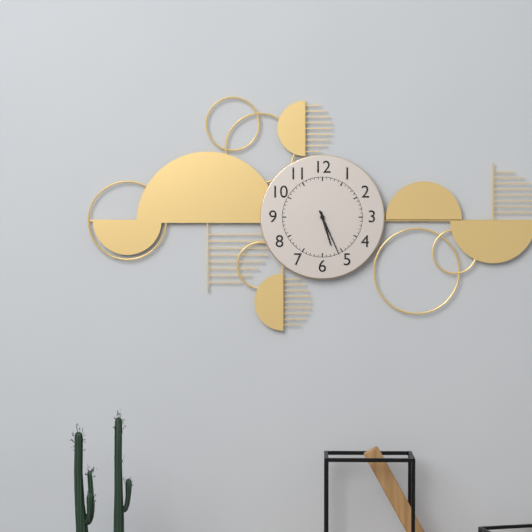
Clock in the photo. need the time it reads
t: 5:26
